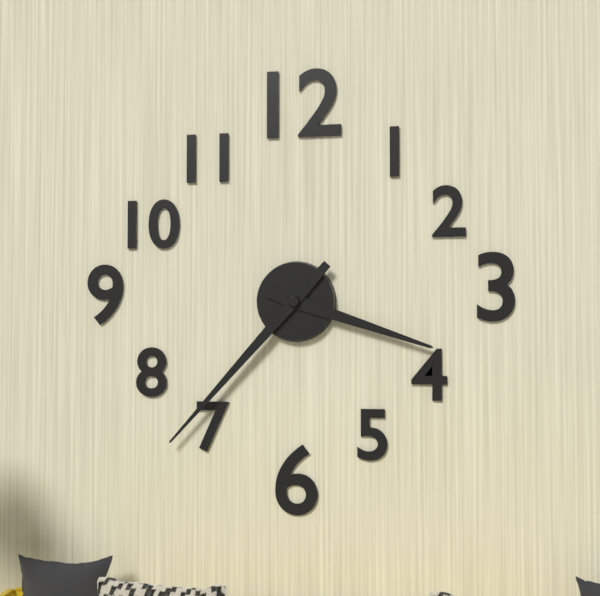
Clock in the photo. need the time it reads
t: 3:37
